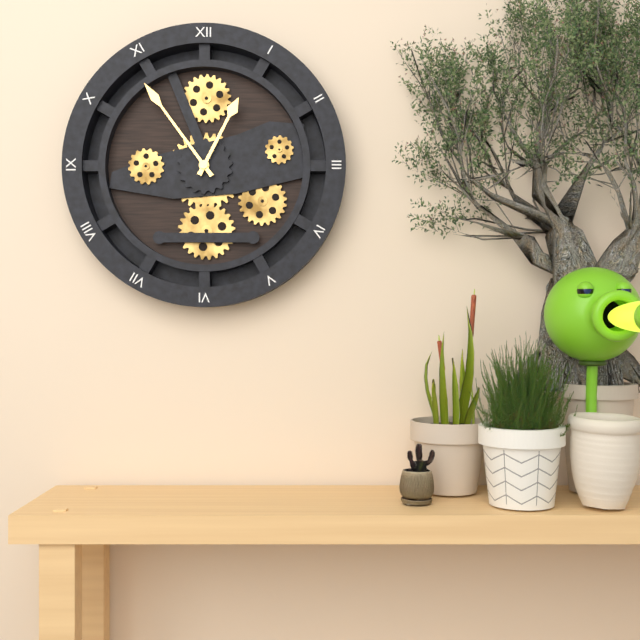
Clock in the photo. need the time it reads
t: 12:54
